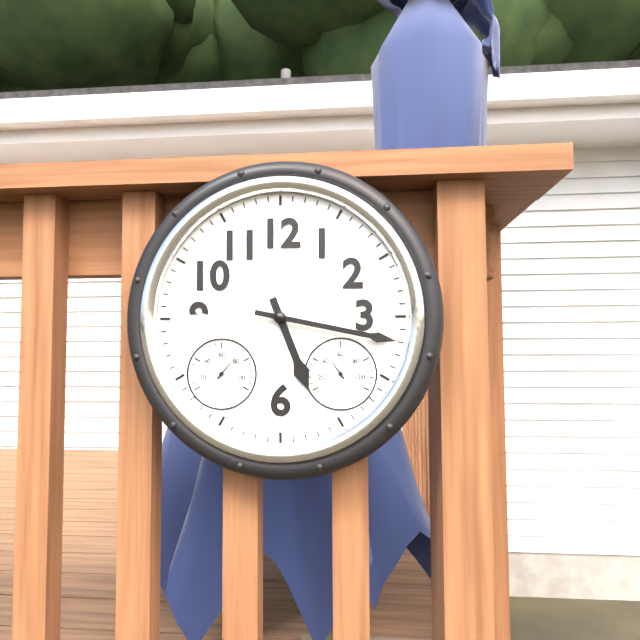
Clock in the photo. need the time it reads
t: 5:17
